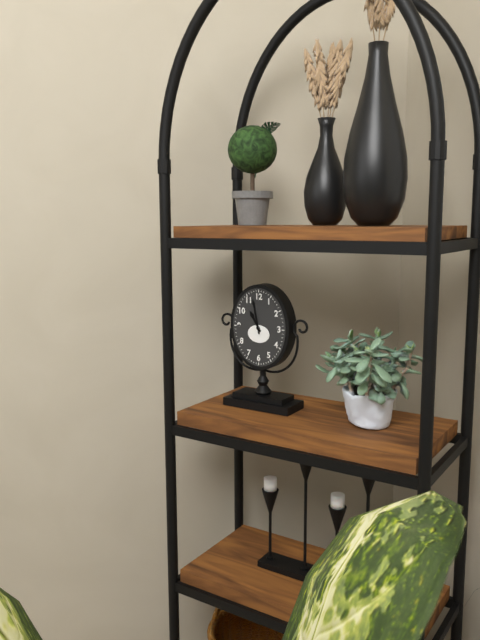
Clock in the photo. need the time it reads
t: 10:58
